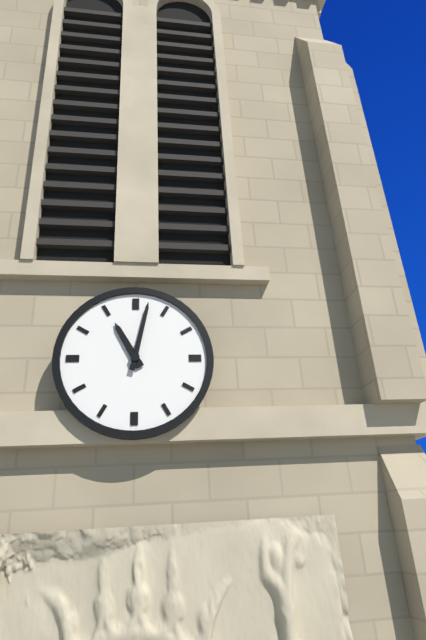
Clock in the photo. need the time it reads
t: 11:02
